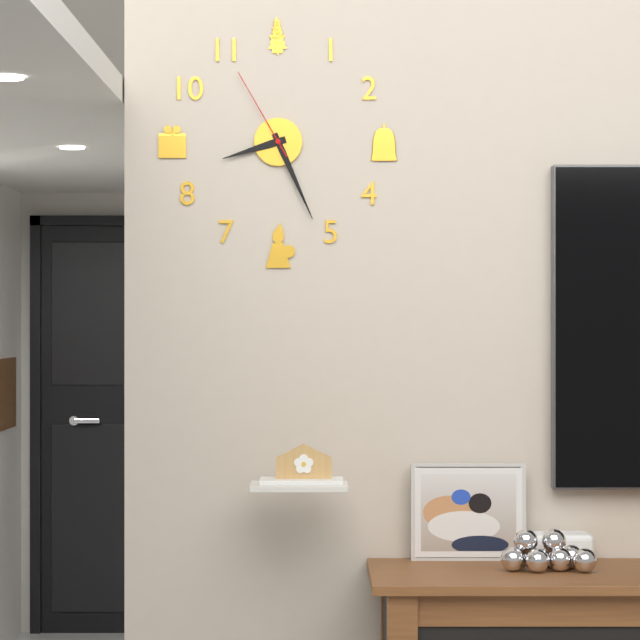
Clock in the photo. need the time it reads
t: 8:26:55
